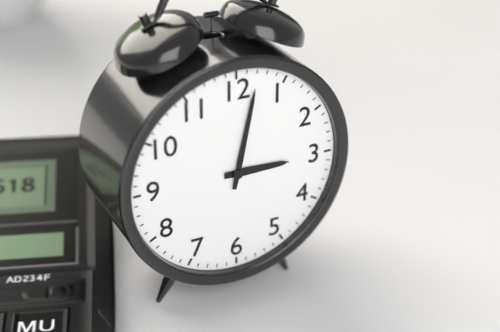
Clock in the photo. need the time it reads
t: 3:02
